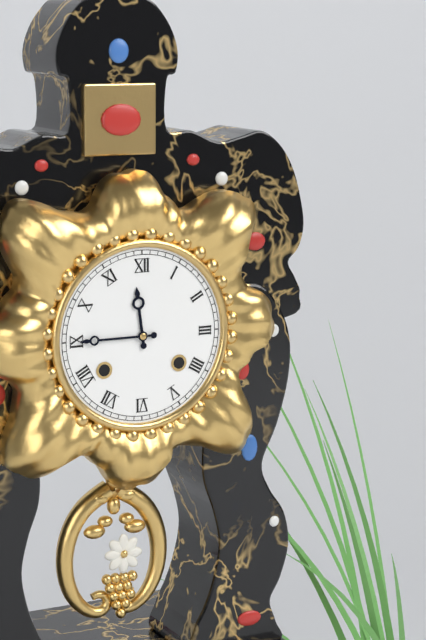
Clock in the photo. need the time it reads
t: 11:45
